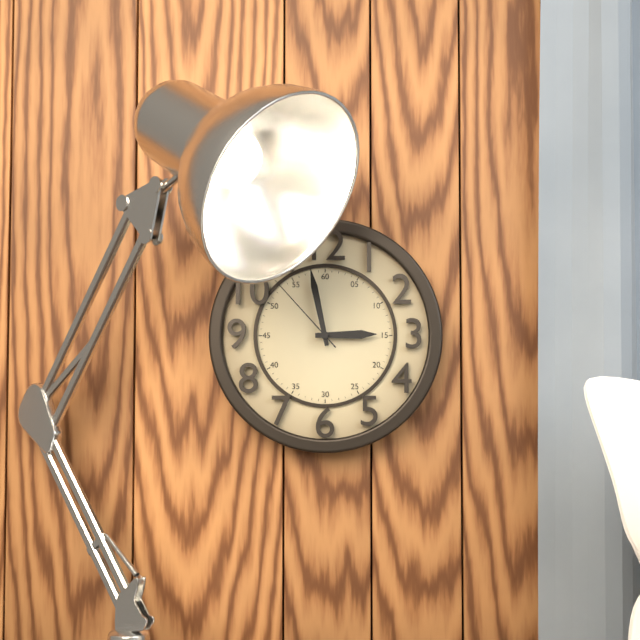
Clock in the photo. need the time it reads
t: 2:58:53
